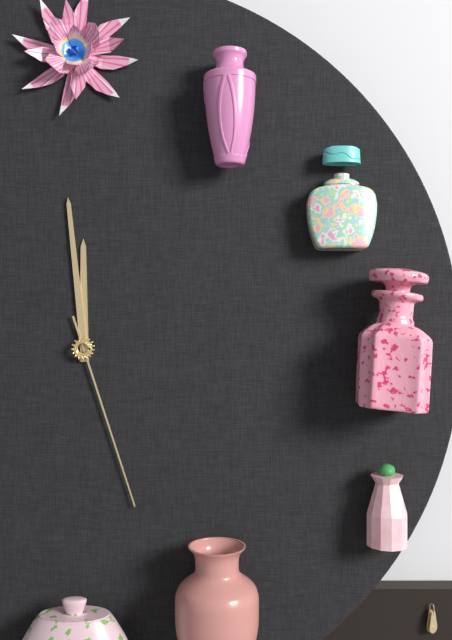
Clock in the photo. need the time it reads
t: 11:59:27
